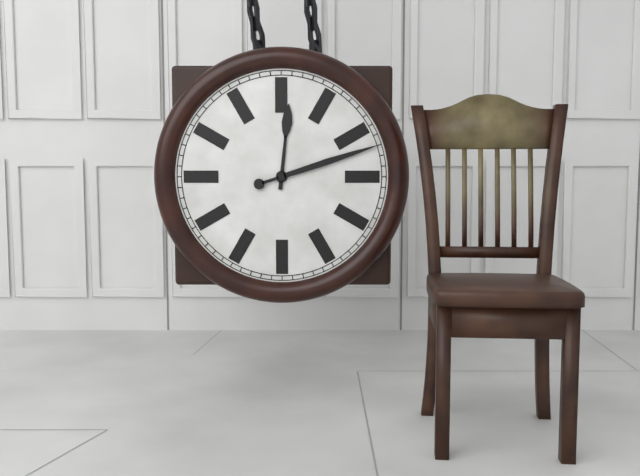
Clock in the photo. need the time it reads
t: 12:12
